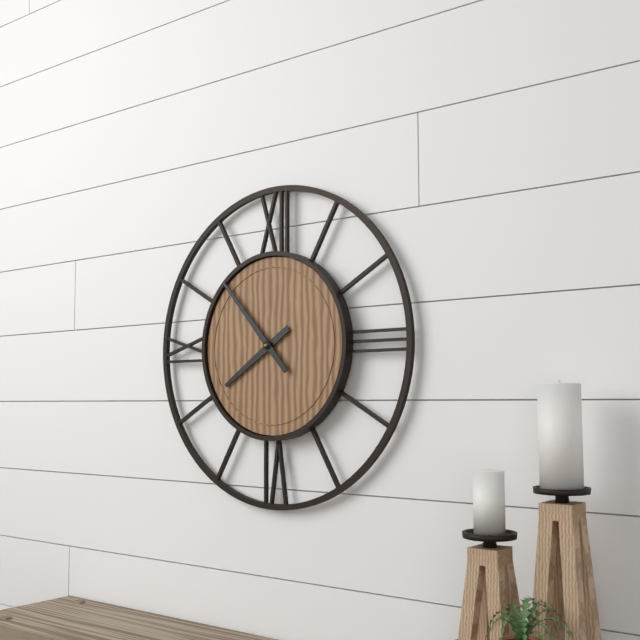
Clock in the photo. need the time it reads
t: 7:53
